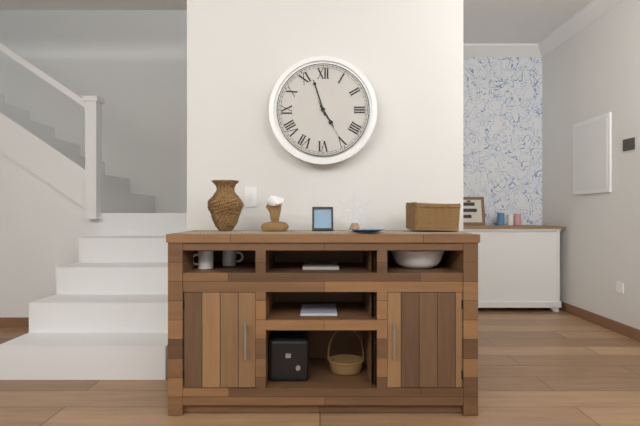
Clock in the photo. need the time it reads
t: 4:57
